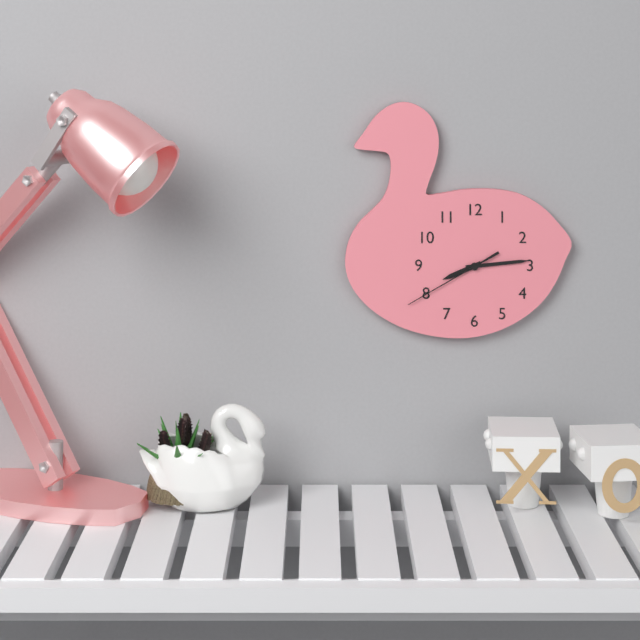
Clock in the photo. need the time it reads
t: 8:14:40
